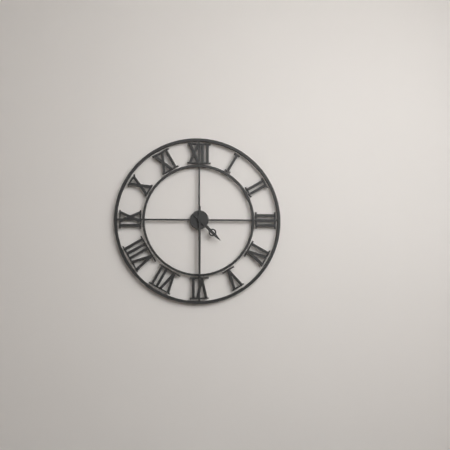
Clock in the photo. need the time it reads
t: 4:30
